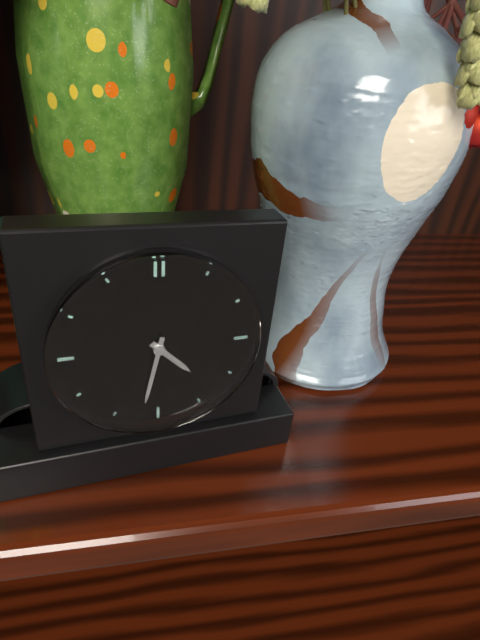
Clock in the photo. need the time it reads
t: 4:32
